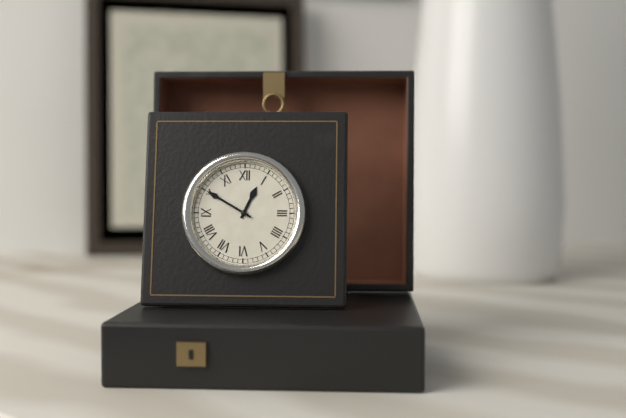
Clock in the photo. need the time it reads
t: 12:50
